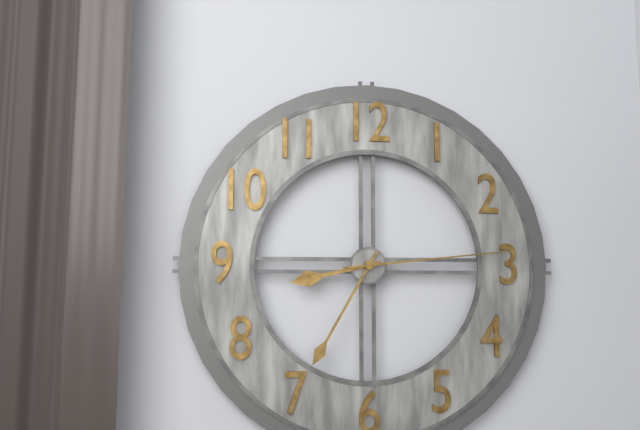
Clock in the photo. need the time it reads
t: 8:35:14
